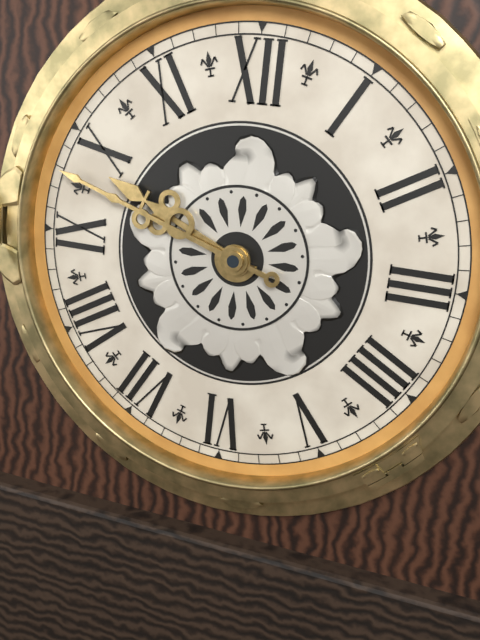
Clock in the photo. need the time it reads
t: 9:48
